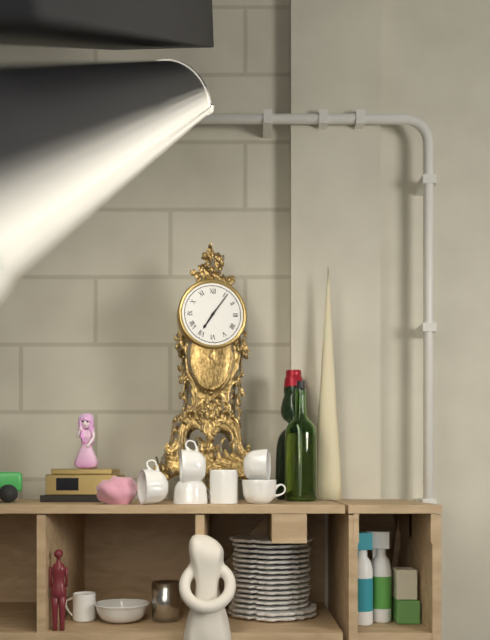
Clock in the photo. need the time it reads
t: 7:06
